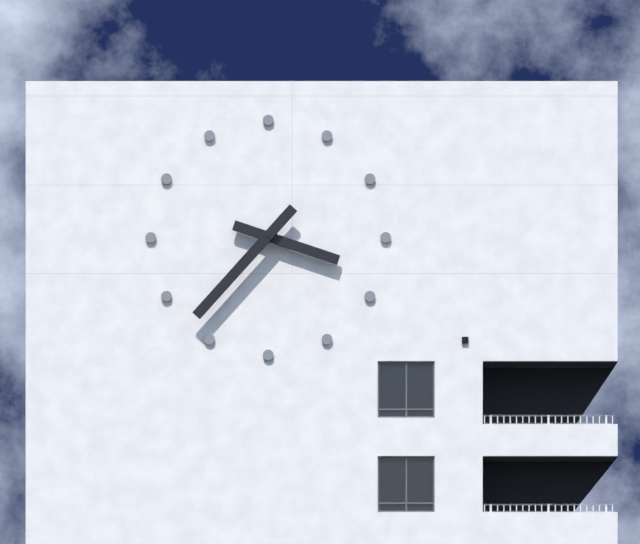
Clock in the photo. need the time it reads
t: 3:37
